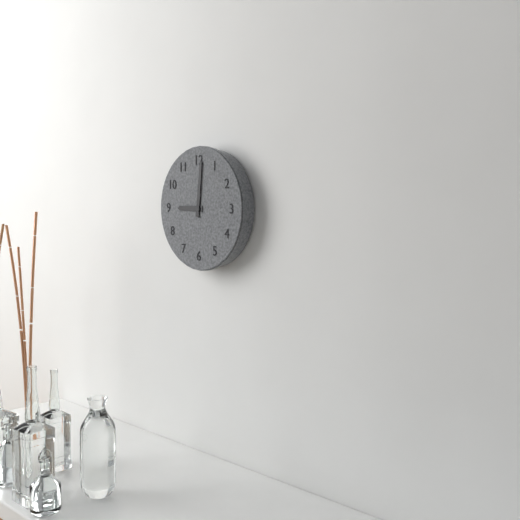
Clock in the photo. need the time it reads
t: 9:01
